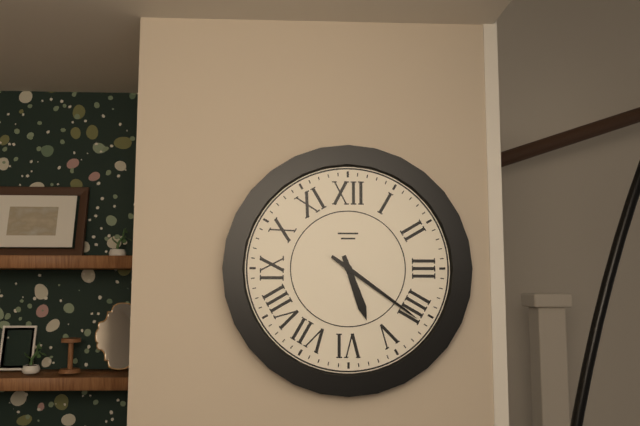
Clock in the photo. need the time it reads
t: 5:21
